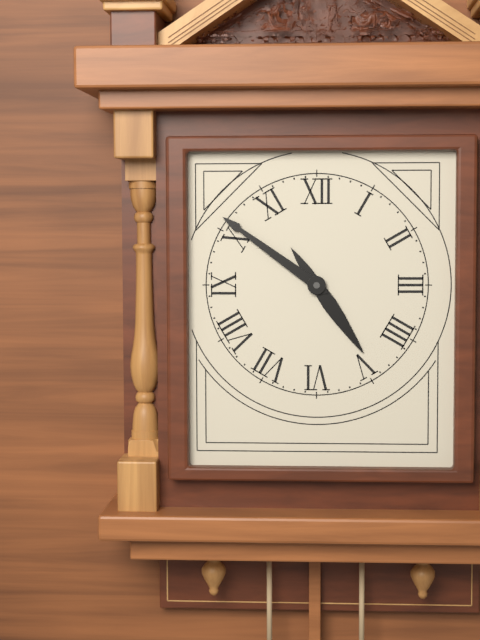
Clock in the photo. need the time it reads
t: 4:51
